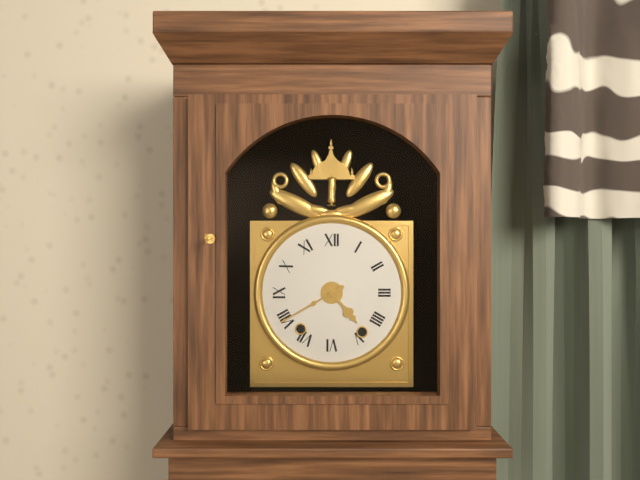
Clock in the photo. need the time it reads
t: 4:40
